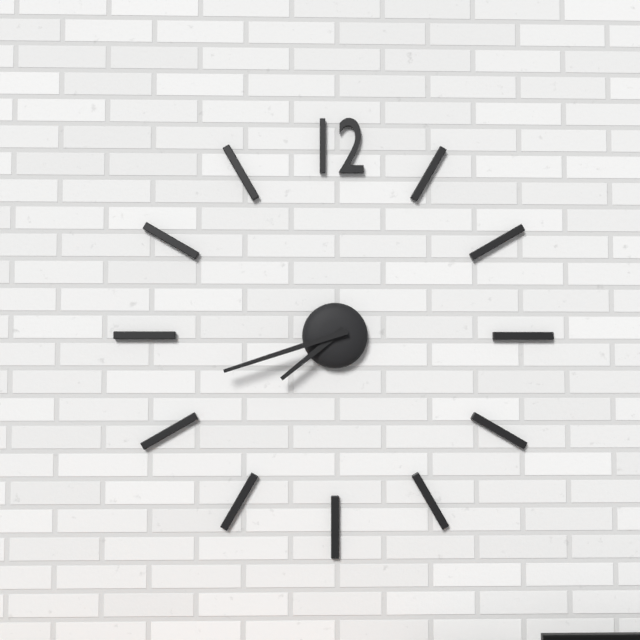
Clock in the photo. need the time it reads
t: 7:42
